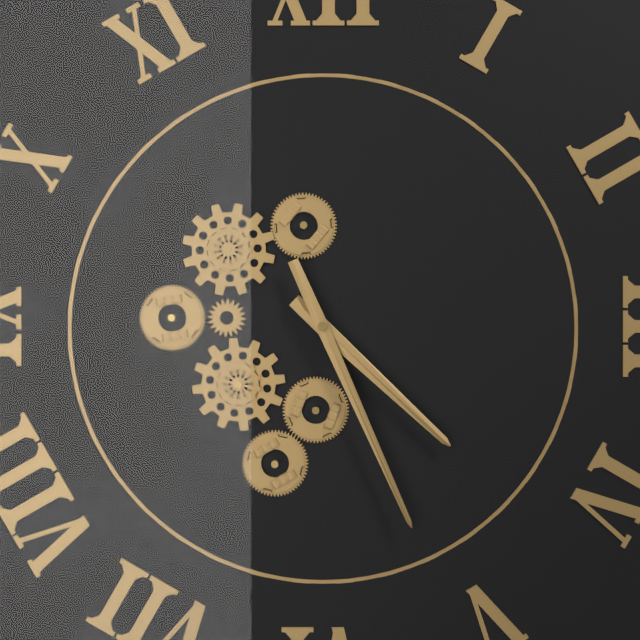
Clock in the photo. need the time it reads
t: 4:26
